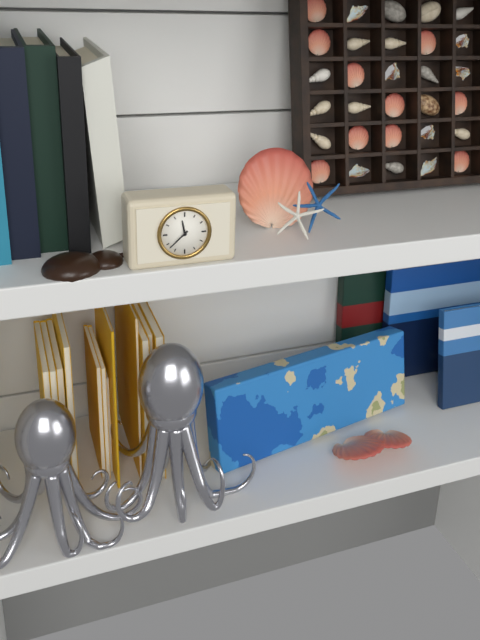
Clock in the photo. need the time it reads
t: 11:38
